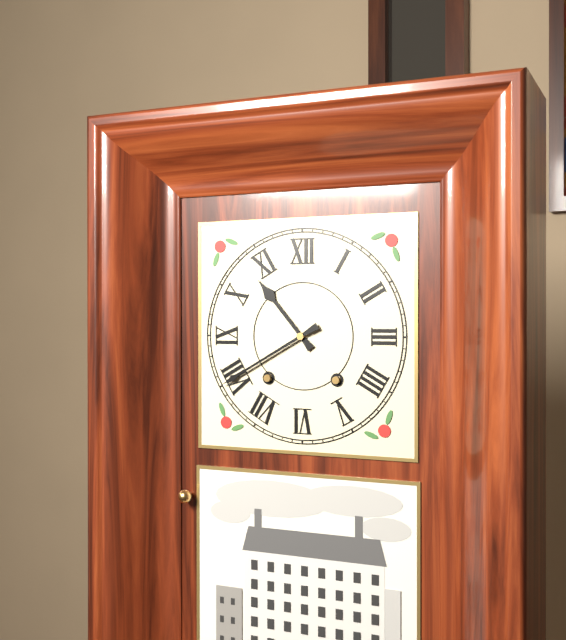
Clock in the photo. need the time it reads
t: 10:40
